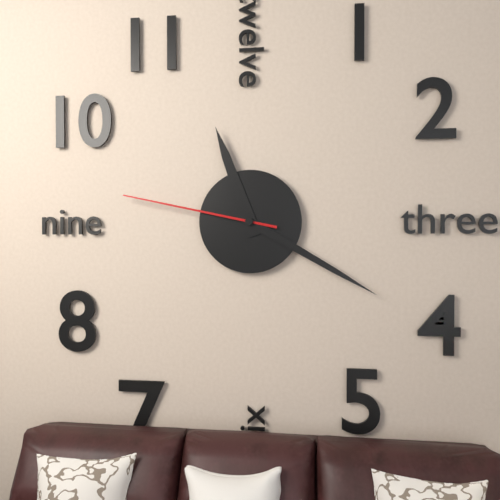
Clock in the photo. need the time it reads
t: 11:20:47
